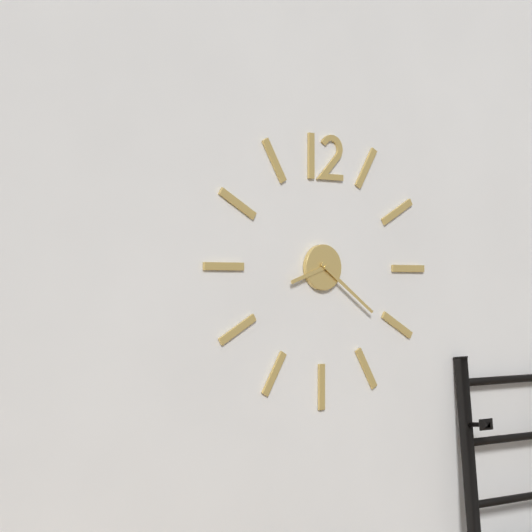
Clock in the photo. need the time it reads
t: 8:21
